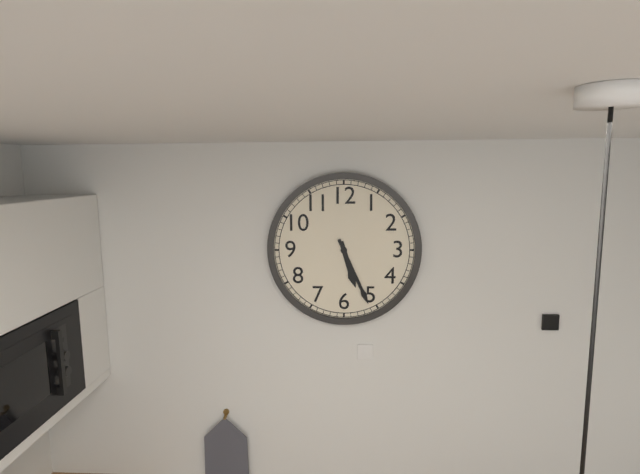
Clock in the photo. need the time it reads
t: 5:26
